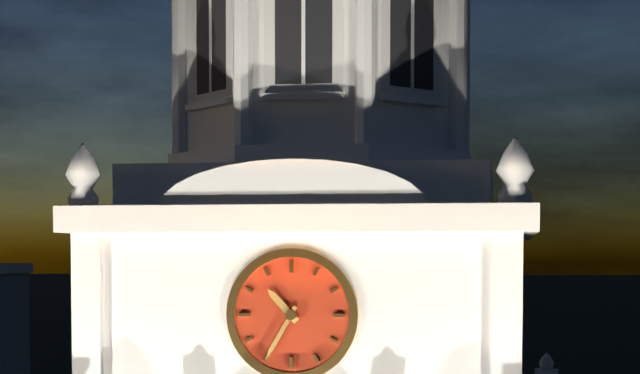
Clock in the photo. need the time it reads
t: 10:35
